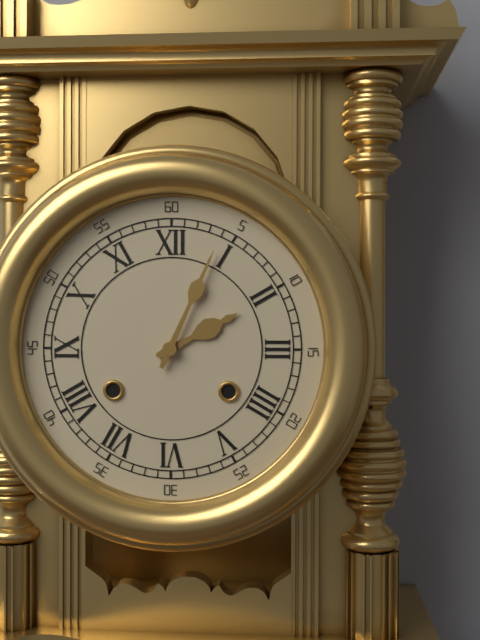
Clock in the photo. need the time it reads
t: 2:04
